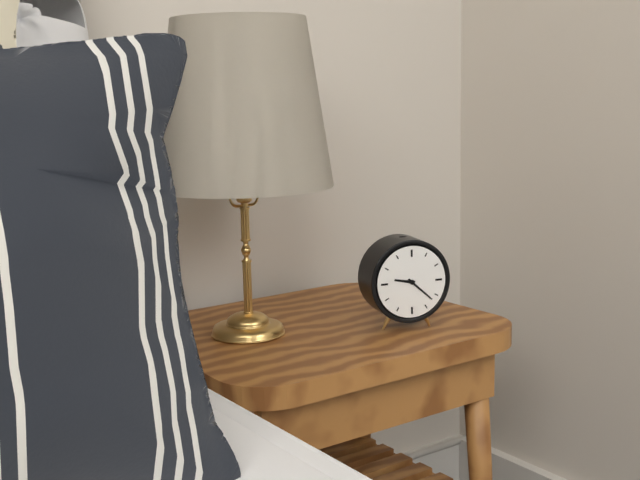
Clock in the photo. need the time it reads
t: 9:22
